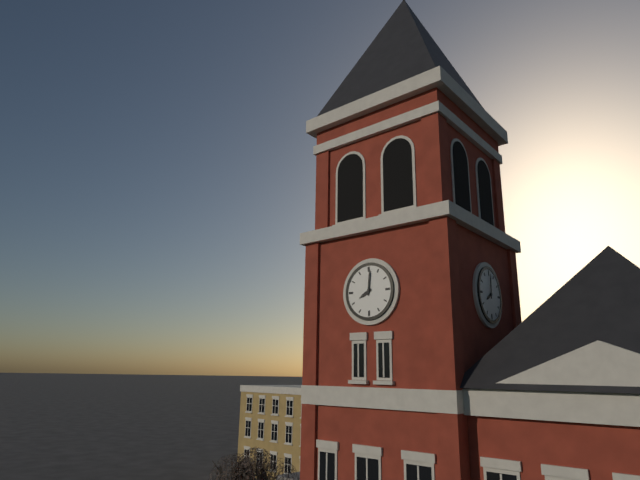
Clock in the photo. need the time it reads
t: 8:01
